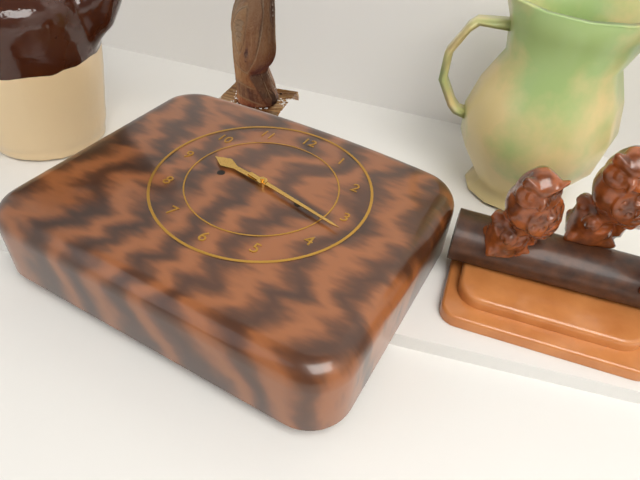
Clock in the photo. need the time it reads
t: 9:17
